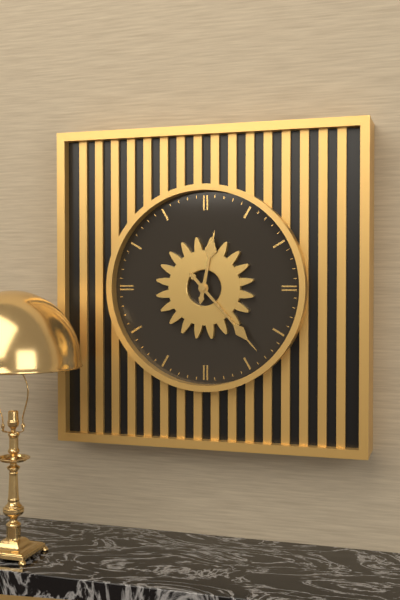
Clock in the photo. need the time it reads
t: 12:23
